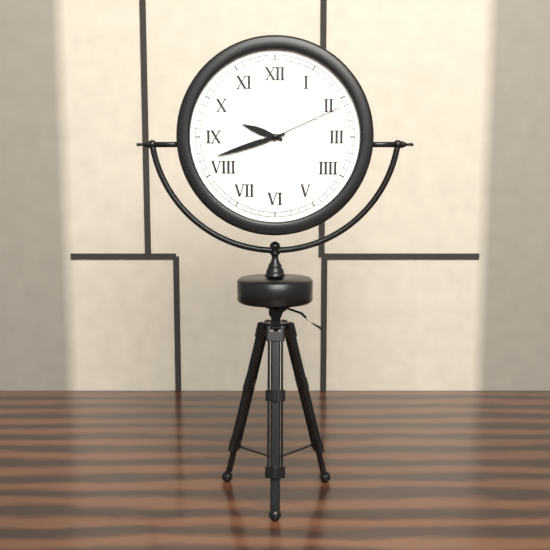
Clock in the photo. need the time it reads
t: 9:42:11
